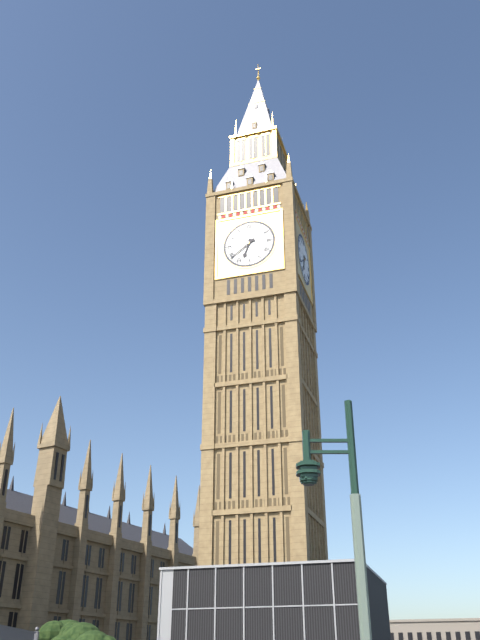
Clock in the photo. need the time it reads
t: 6:39
